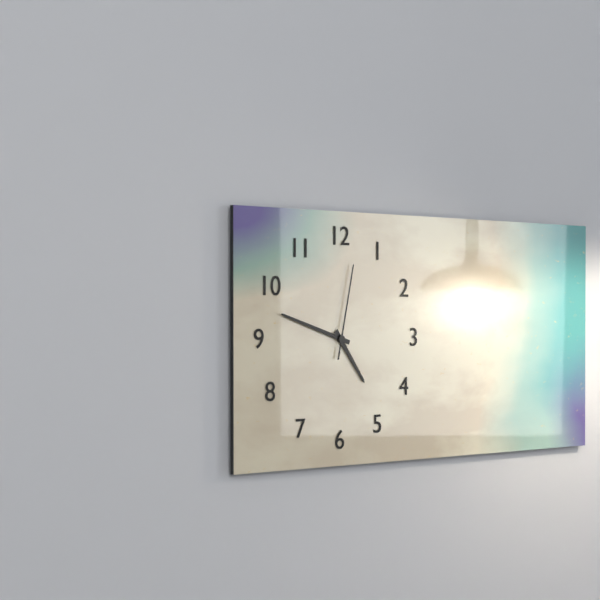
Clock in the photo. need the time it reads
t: 4:48:02
